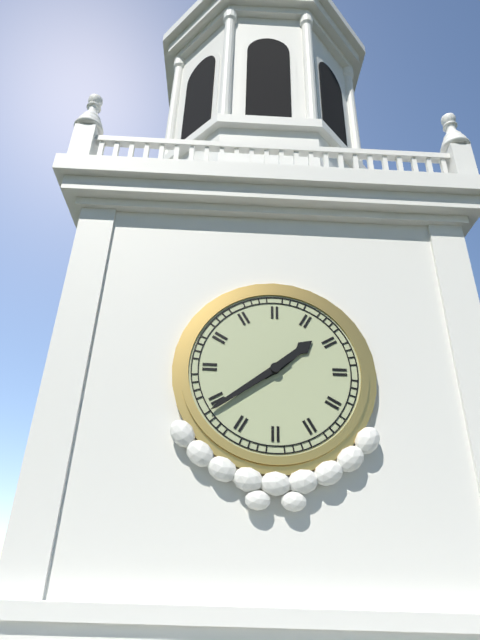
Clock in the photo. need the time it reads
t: 1:39
